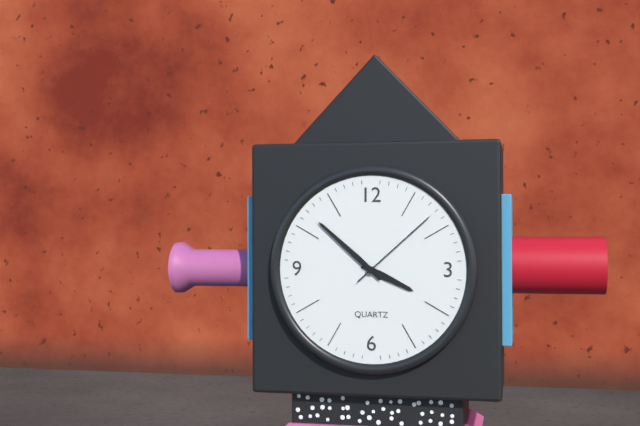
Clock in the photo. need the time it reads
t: 3:52:08
